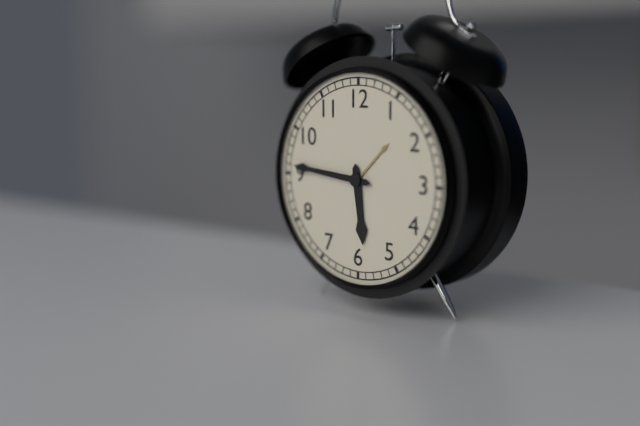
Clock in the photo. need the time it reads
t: 5:46
